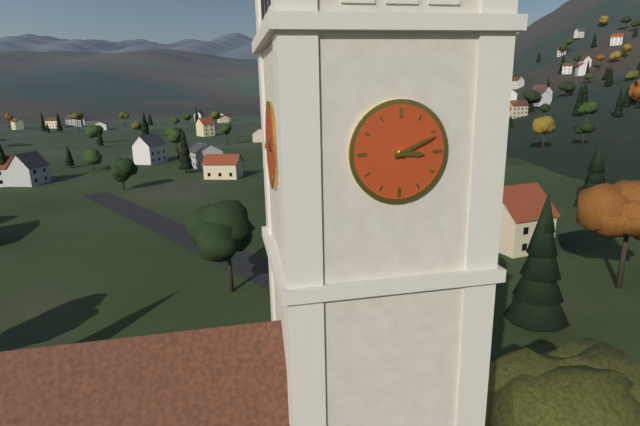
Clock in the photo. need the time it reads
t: 3:11
